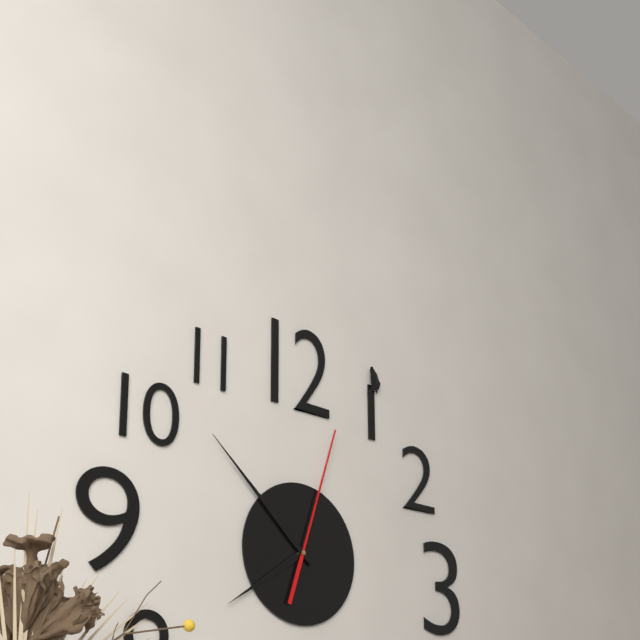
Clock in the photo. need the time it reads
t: 7:52:03
